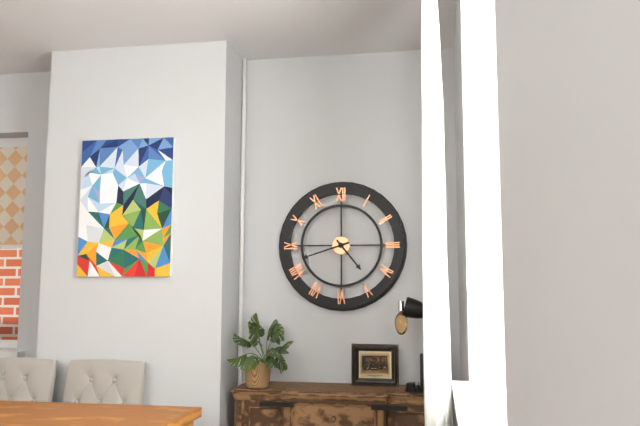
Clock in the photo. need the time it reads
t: 4:42
